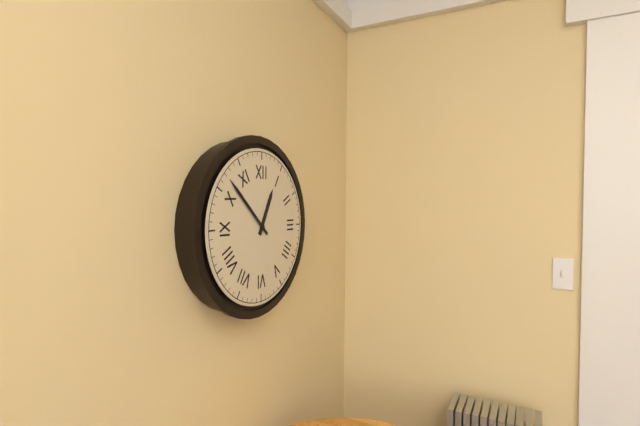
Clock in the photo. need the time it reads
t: 12:52
